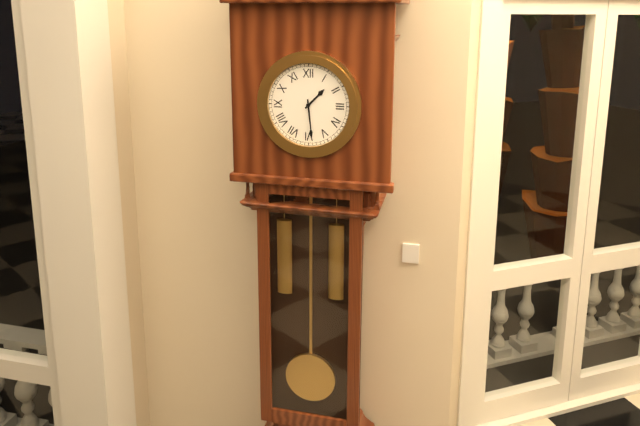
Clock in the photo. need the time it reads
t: 1:29
